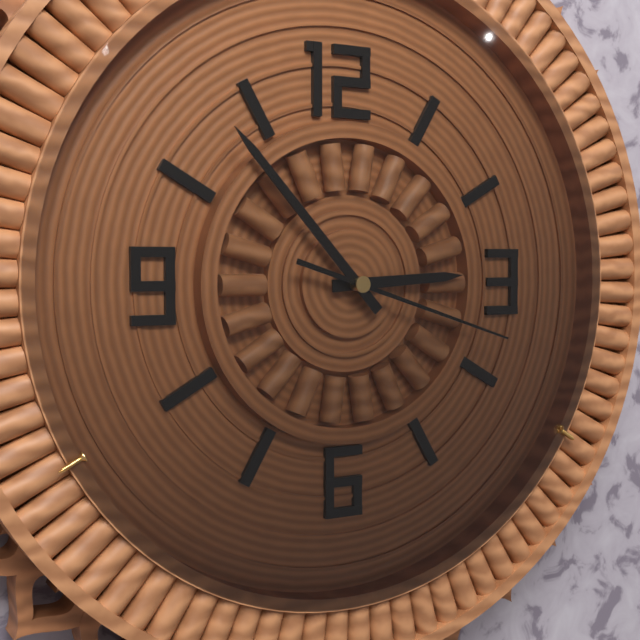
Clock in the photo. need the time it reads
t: 2:53:18
